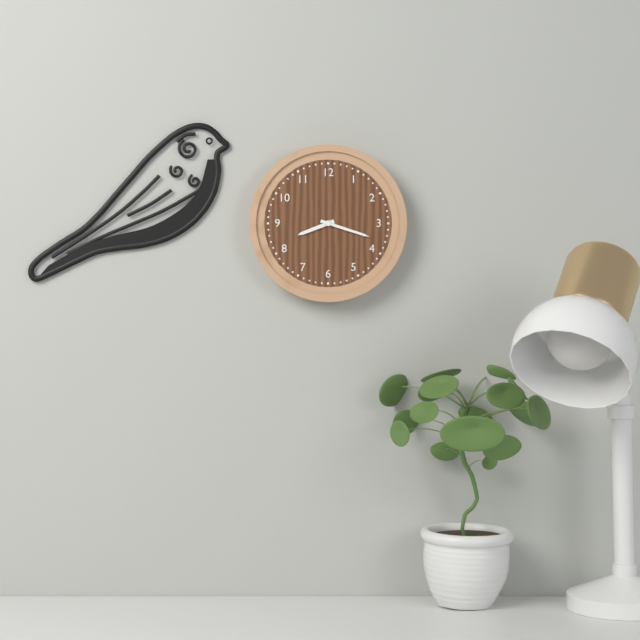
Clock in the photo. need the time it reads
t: 8:18
